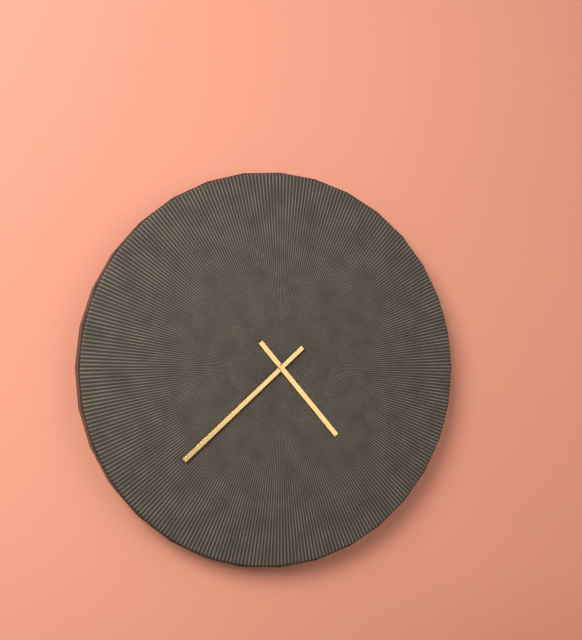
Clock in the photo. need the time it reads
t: 4:38
